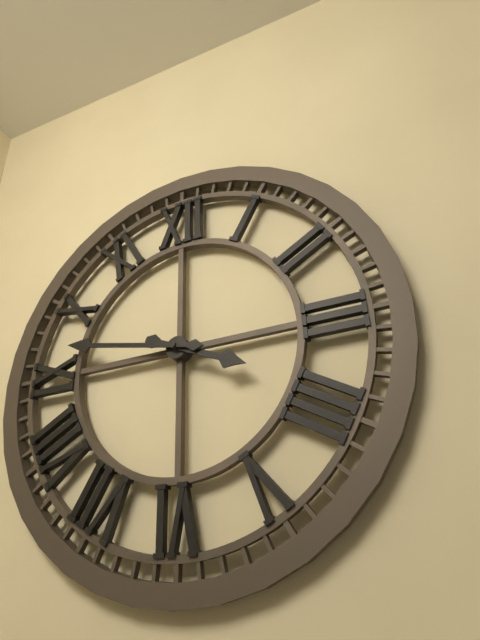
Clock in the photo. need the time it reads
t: 3:47
